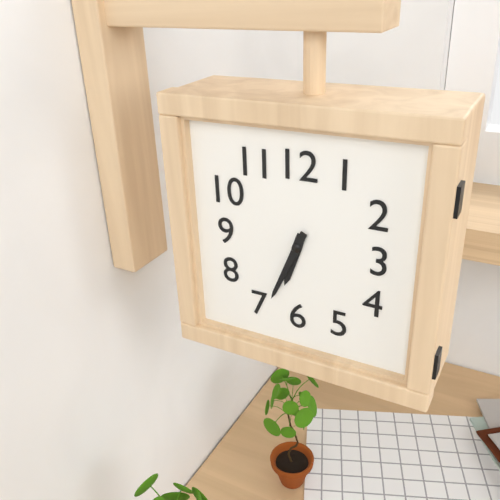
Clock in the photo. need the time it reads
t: 6:34
